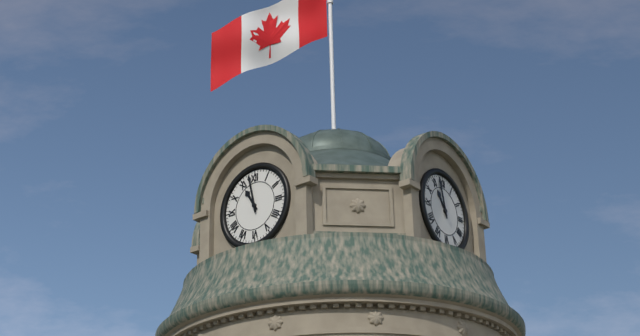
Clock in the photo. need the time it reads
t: 10:58
